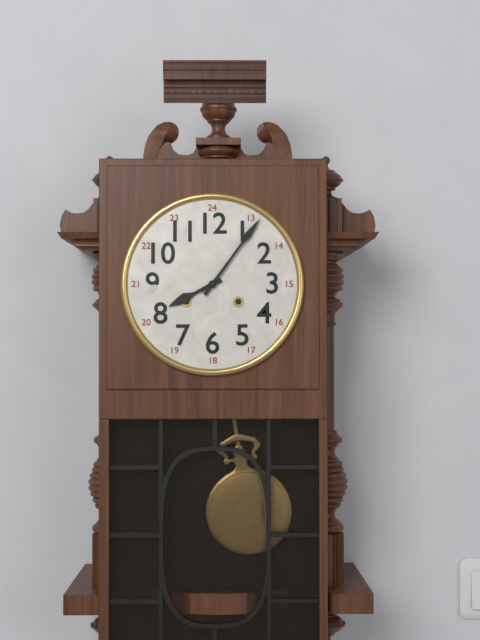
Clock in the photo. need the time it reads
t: 8:06
